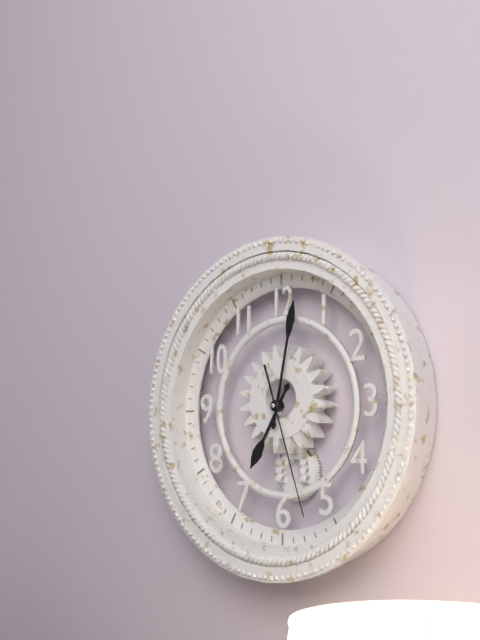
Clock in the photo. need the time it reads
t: 7:02:27
